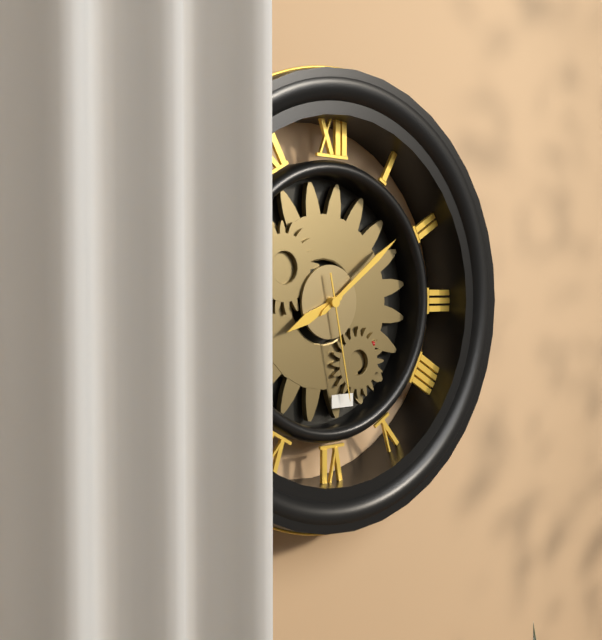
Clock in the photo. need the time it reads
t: 8:09:28
